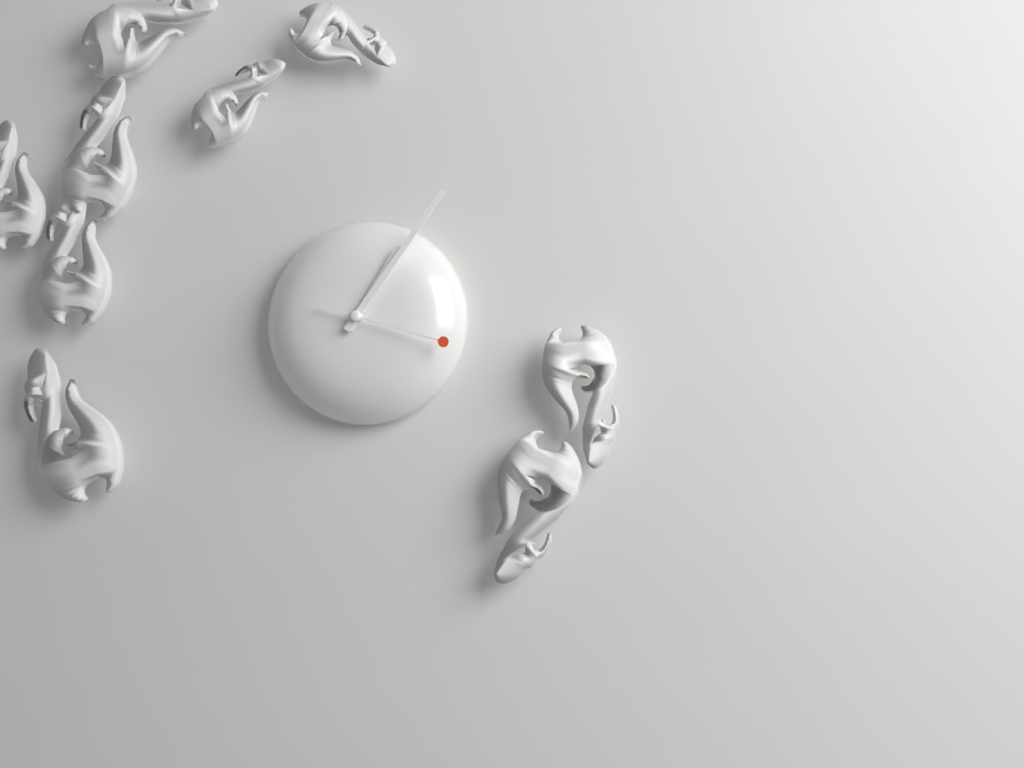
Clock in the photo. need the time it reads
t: 1:06:18
